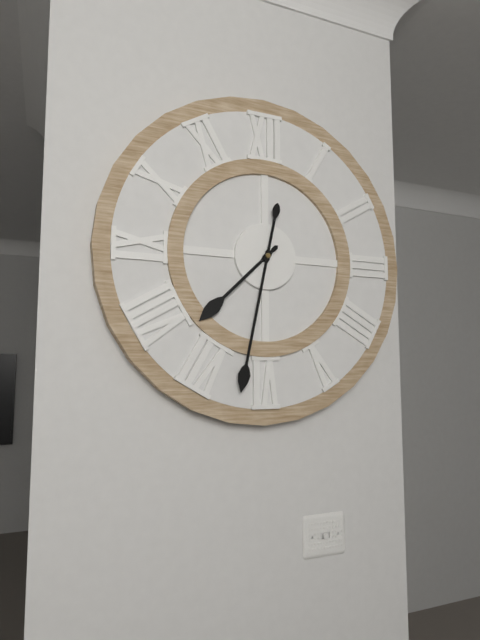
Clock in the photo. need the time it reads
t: 7:32
